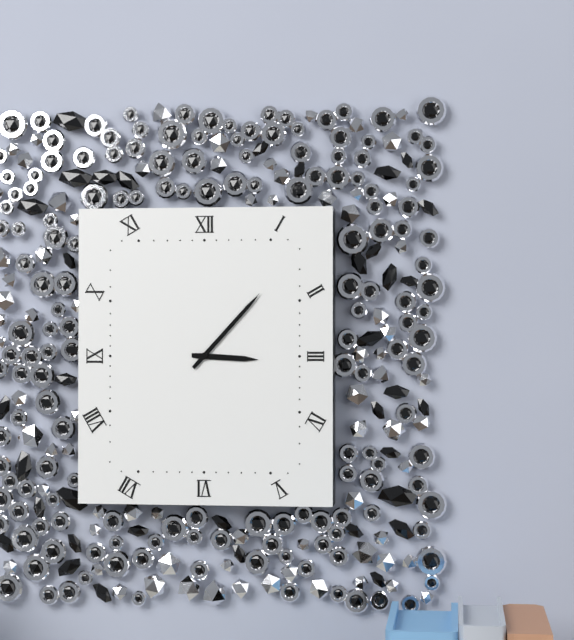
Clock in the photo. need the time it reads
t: 3:07
